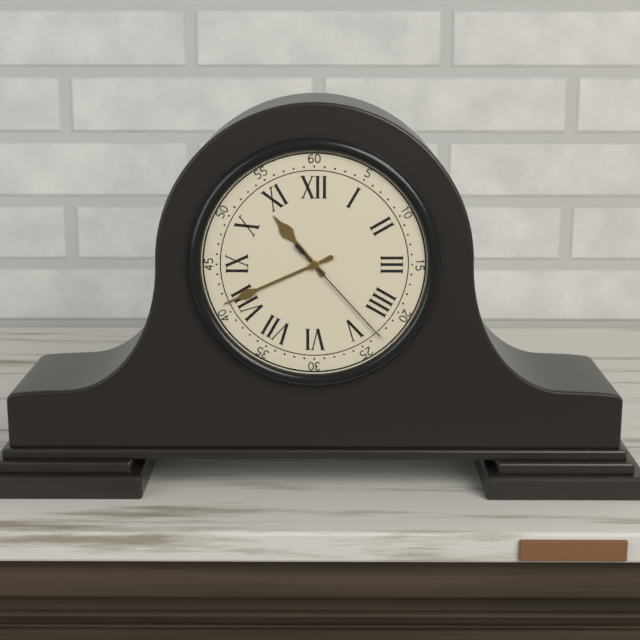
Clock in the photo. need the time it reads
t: 10:41:23
